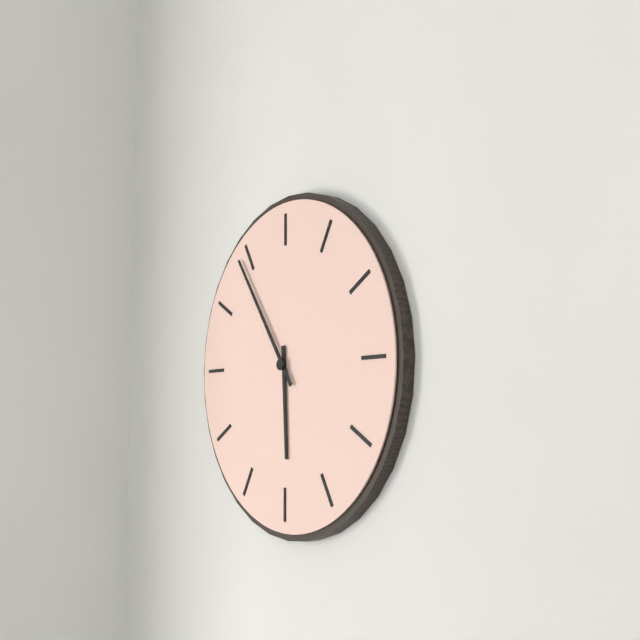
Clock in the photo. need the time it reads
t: 5:54
